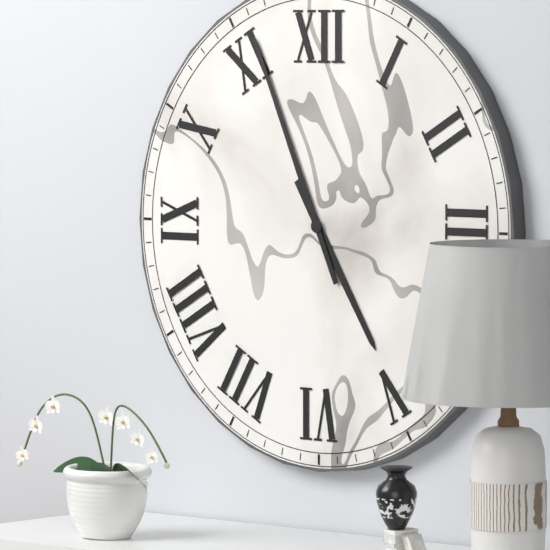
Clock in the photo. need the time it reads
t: 4:56
